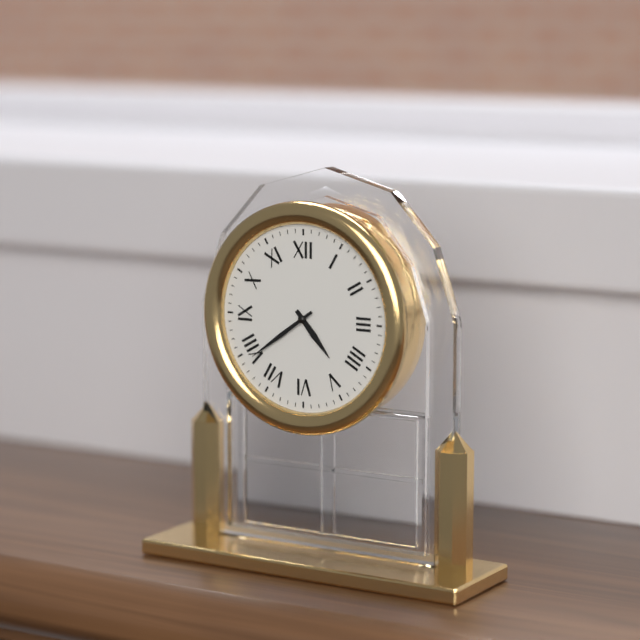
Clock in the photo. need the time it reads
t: 4:39
